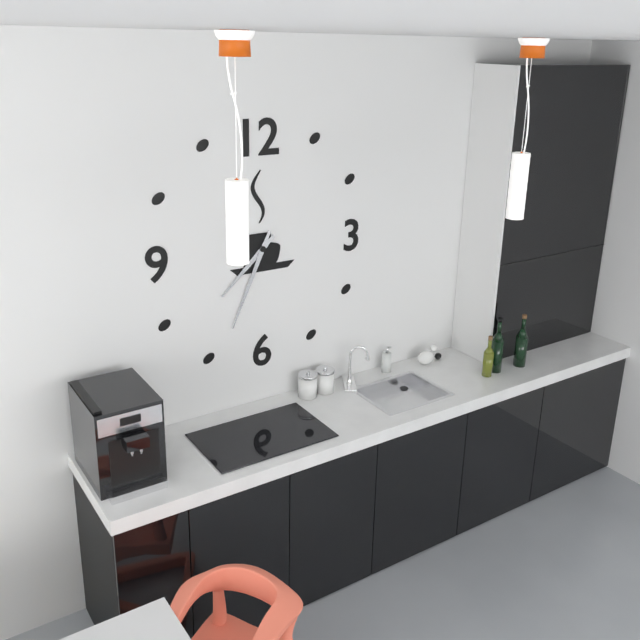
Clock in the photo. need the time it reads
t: 7:34
